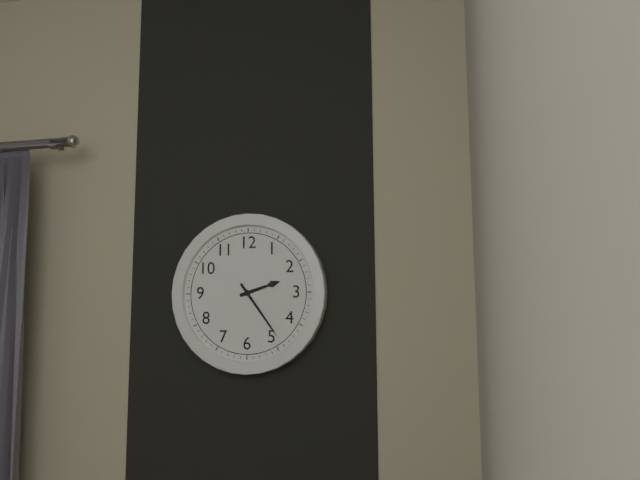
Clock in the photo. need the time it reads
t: 2:24
